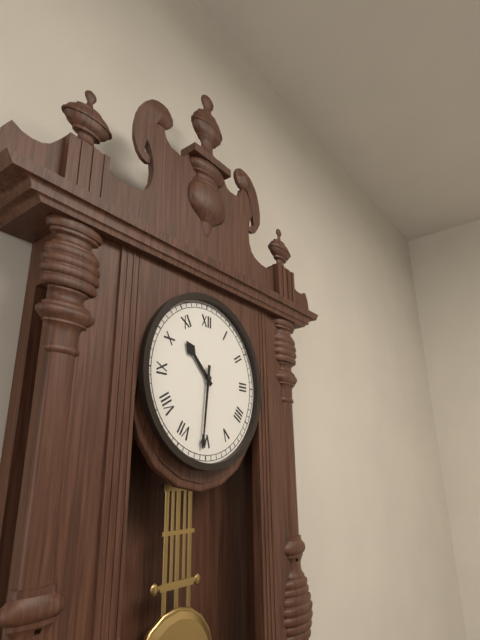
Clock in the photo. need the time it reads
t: 10:31
